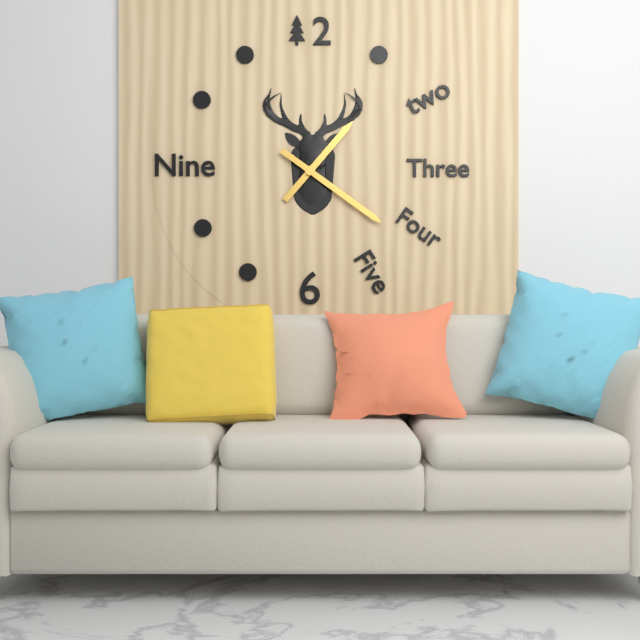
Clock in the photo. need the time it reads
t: 1:21
